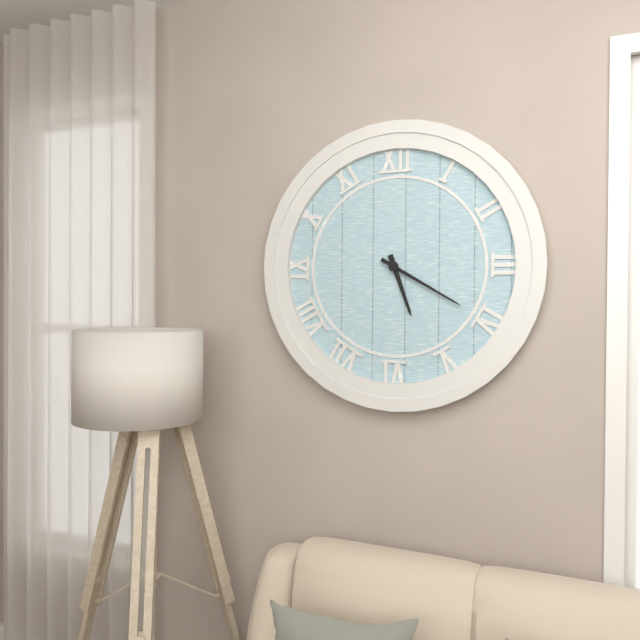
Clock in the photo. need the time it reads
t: 5:20
